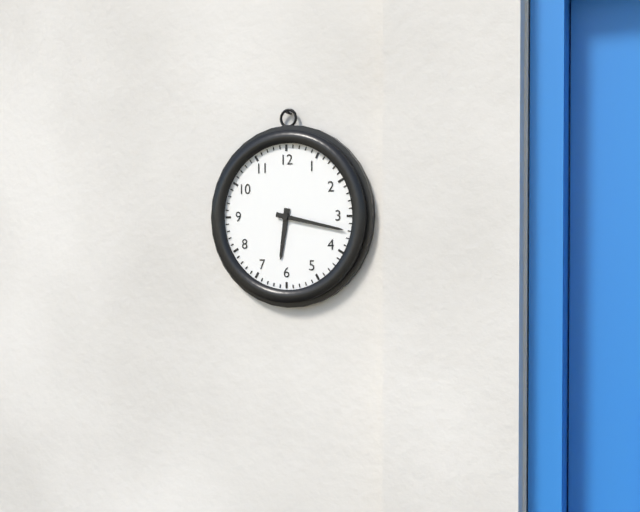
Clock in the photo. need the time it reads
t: 6:17
